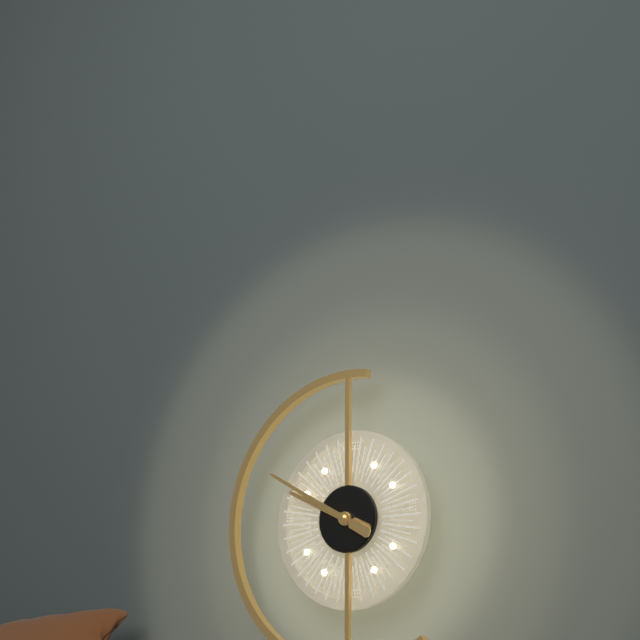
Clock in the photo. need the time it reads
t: 9:50
